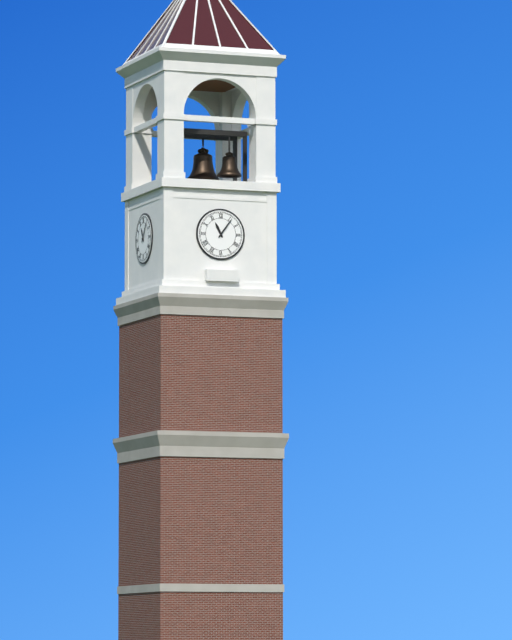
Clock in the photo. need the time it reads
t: 11:06
